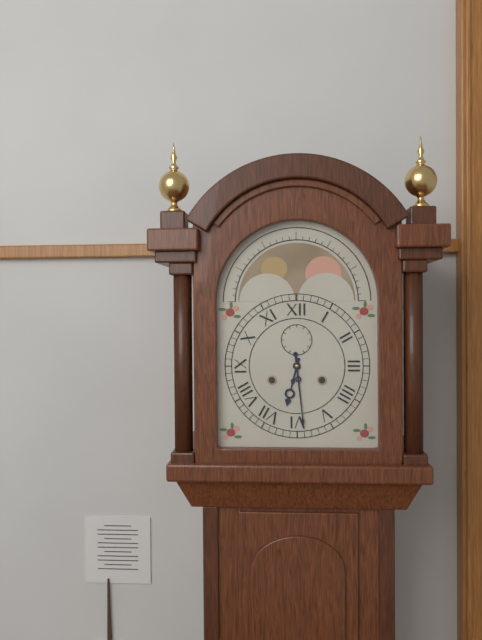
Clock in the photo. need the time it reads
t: 6:29
